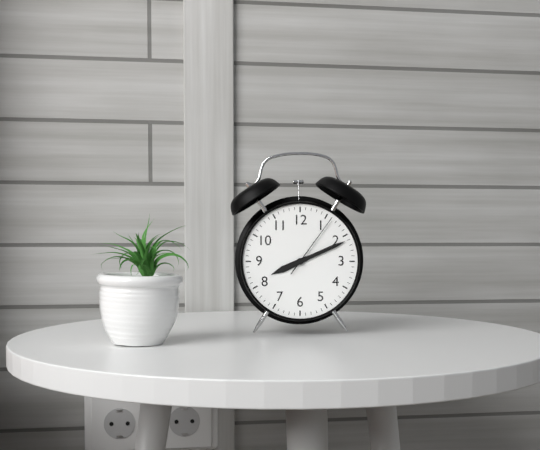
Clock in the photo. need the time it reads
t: 8:11:06
